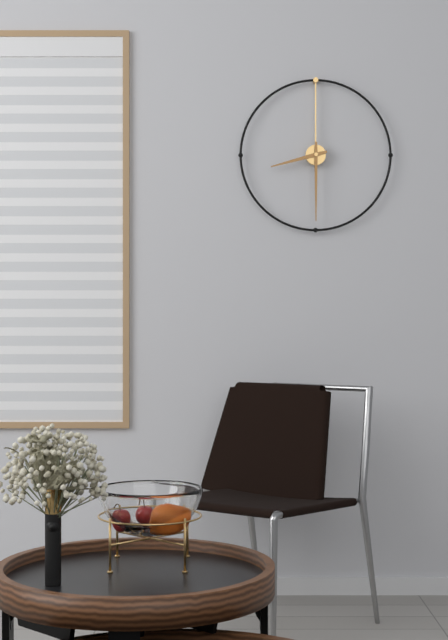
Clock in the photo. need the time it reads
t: 8:30
